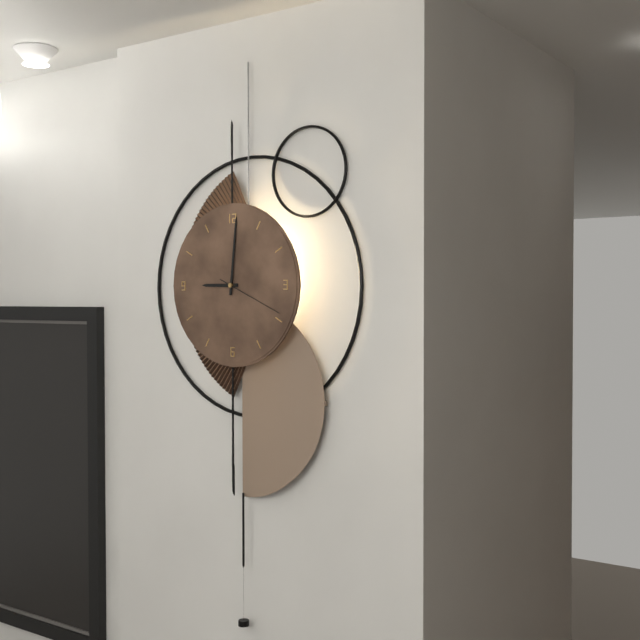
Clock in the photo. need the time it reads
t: 9:01
